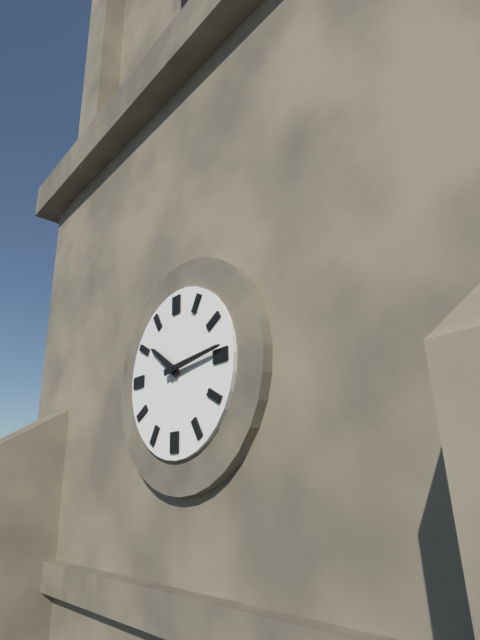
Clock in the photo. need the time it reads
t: 10:14
